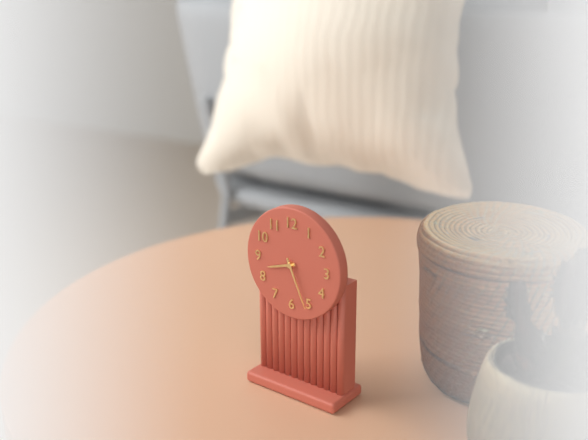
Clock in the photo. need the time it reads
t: 8:26
